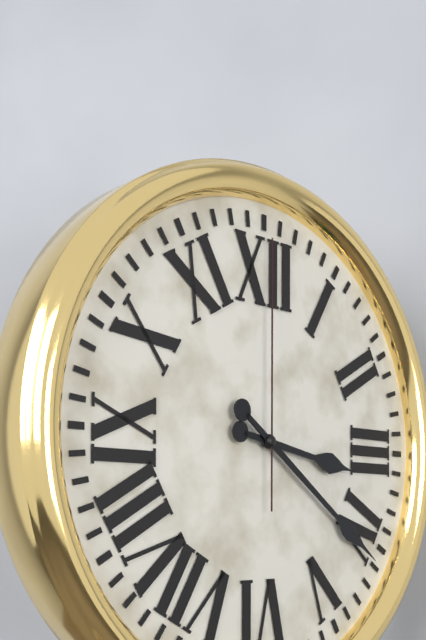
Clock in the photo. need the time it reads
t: 3:21:00
